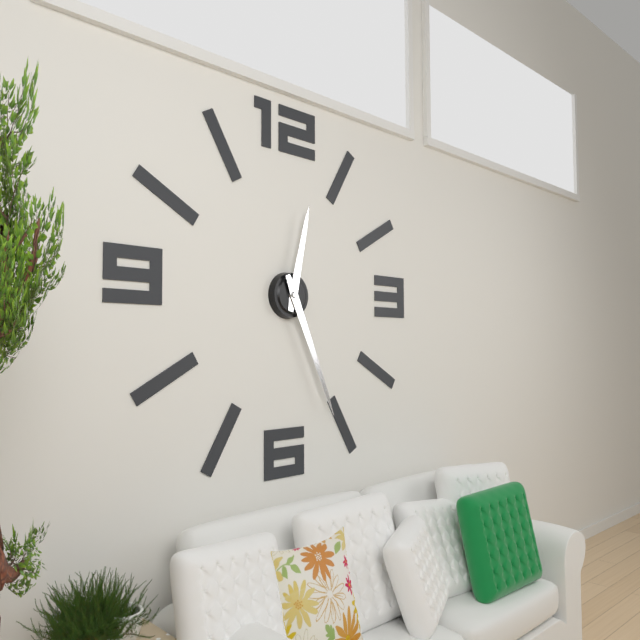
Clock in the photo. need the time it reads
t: 12:26
